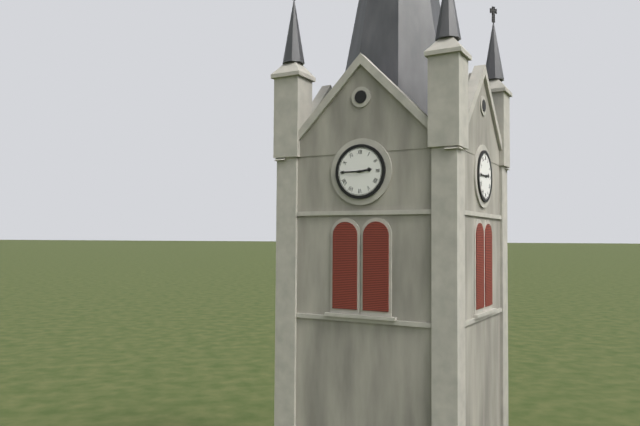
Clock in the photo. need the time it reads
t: 2:45
